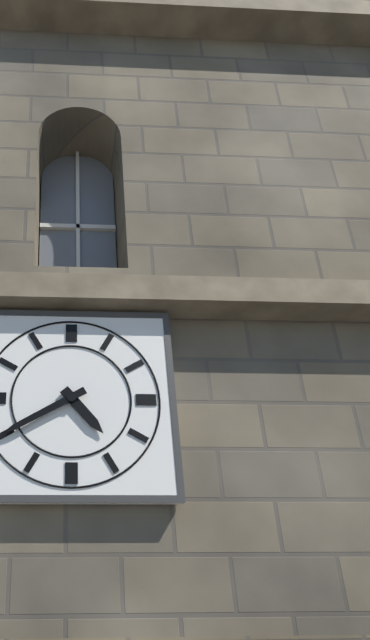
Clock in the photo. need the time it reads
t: 4:40
